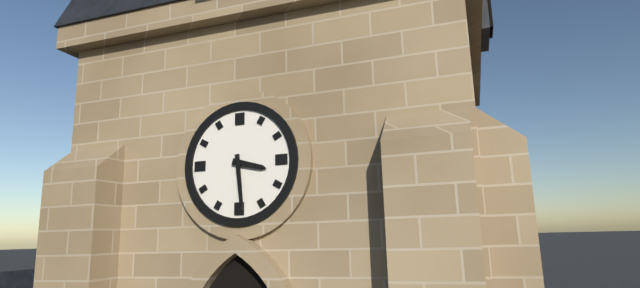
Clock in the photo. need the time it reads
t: 3:29
